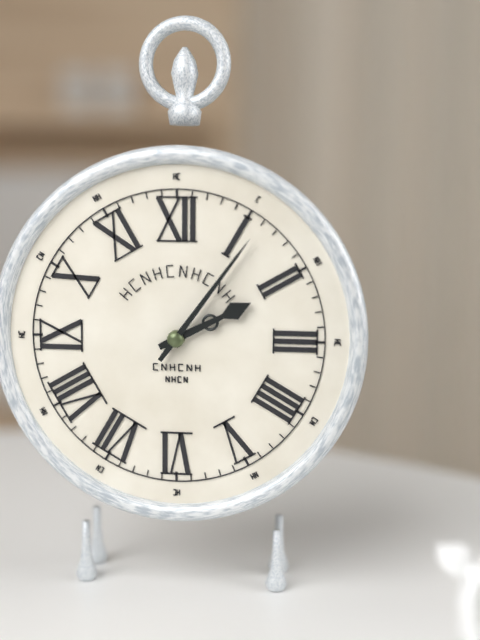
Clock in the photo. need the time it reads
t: 2:06
